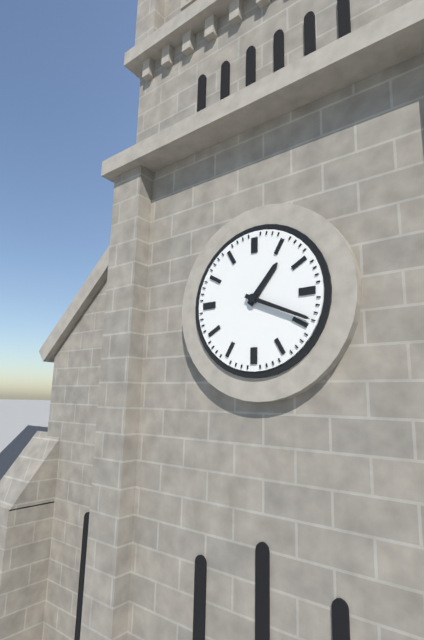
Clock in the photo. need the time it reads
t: 1:19
